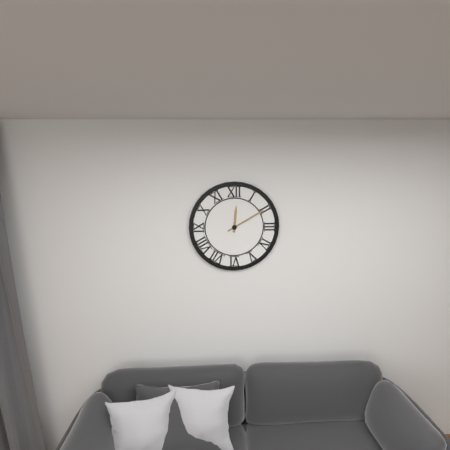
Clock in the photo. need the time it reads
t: 12:10
